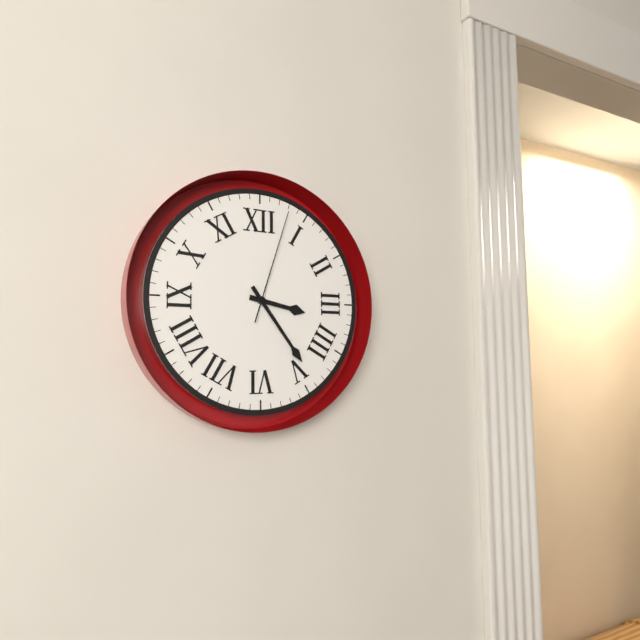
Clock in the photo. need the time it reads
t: 3:24:03
